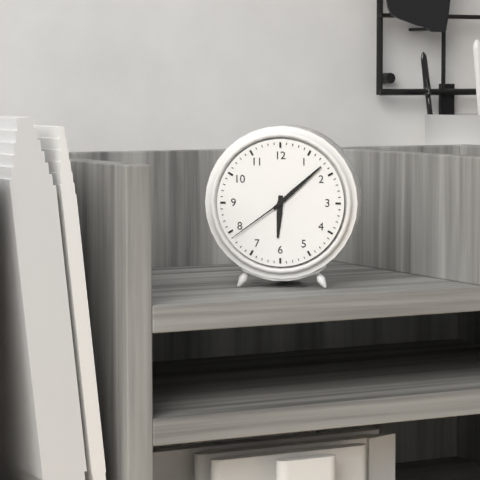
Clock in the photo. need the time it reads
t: 6:08:39
